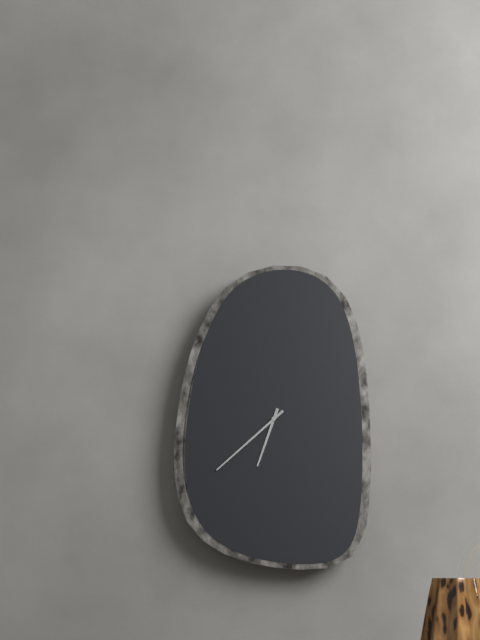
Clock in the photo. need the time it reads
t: 6:38
